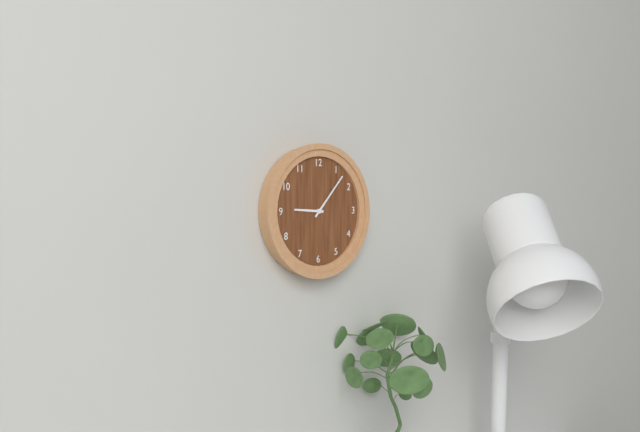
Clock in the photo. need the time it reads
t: 9:07
